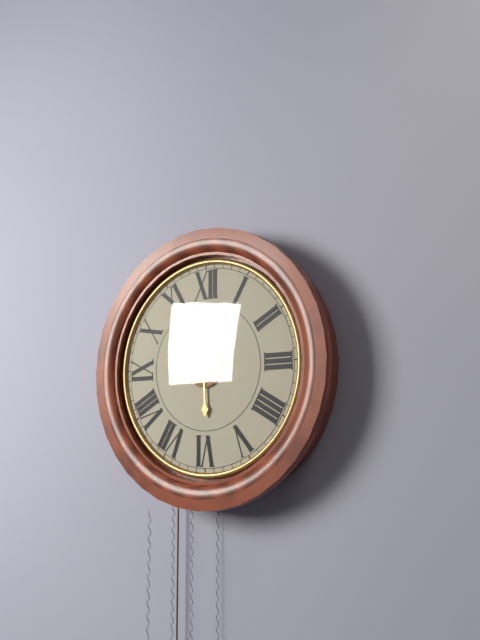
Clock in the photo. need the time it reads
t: 5:55
